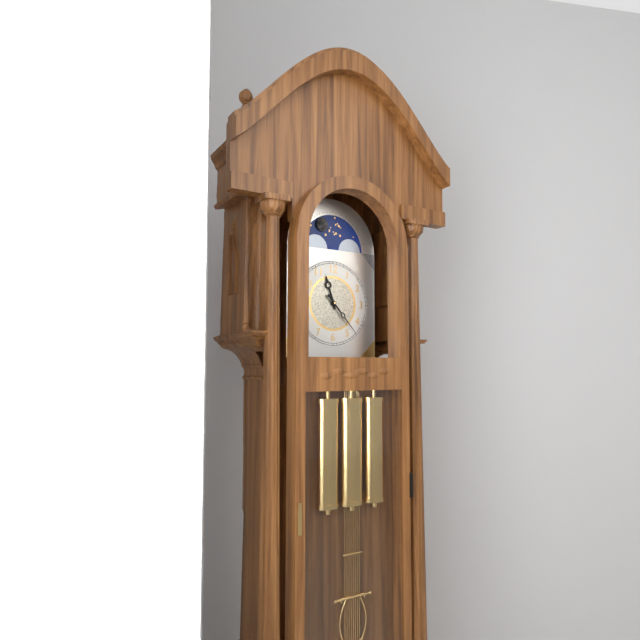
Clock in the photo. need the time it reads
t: 11:23
